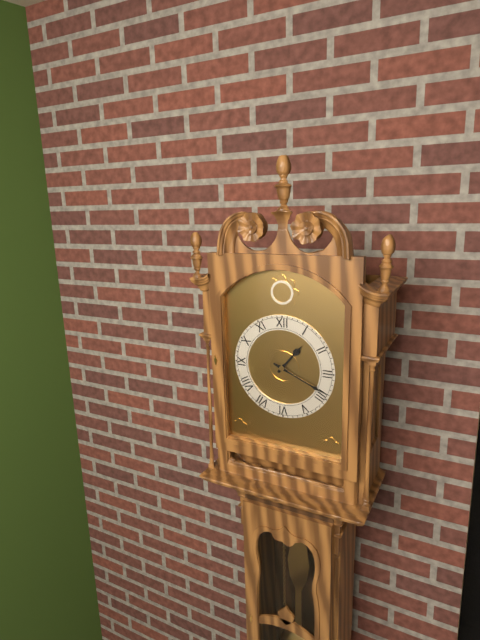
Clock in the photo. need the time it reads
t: 1:19
